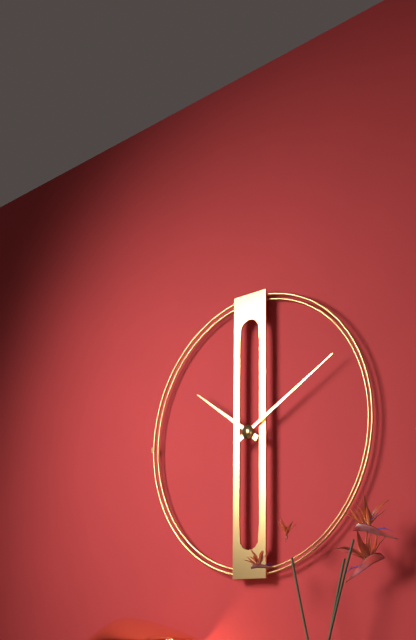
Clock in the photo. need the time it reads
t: 10:10
